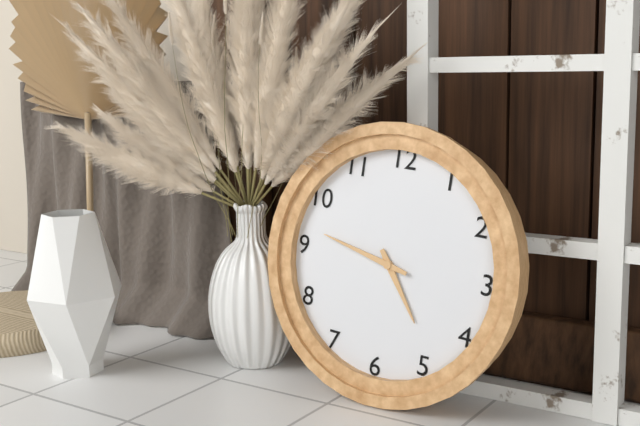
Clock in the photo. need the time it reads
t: 4:47
